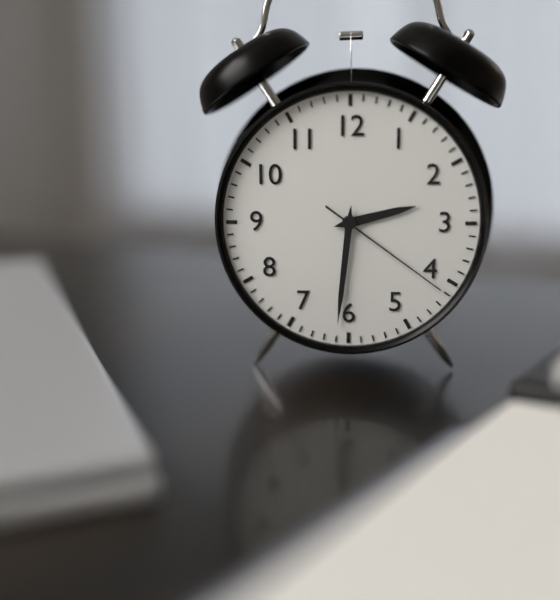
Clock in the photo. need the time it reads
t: 2:31:21
